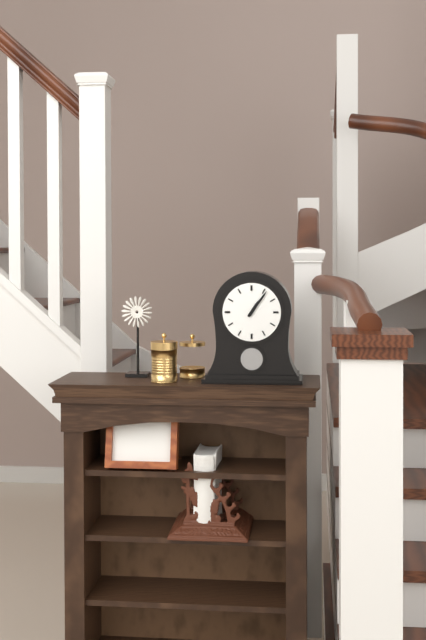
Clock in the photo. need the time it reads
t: 1:06
